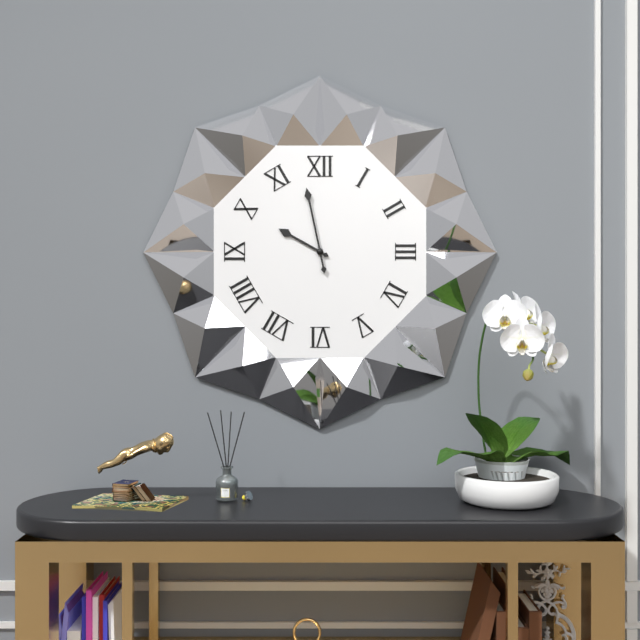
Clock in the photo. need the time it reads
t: 9:58
